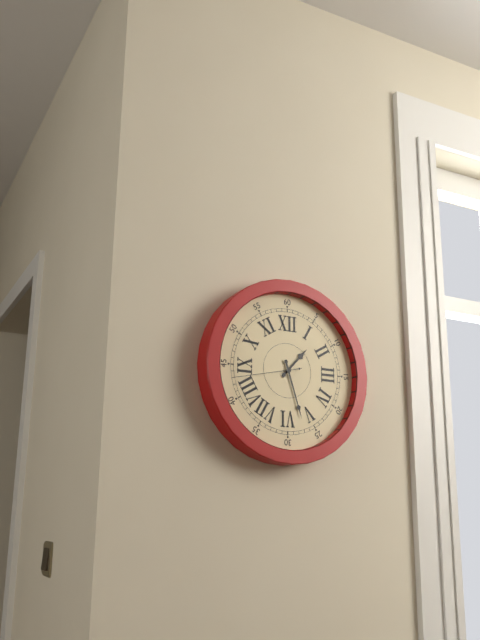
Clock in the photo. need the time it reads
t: 1:27:43
